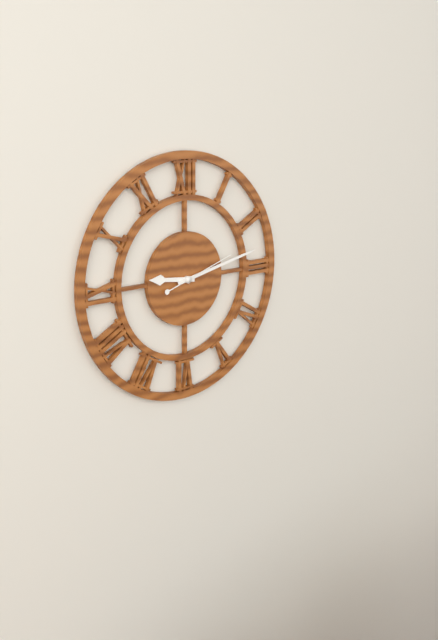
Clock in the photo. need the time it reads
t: 9:13:12
